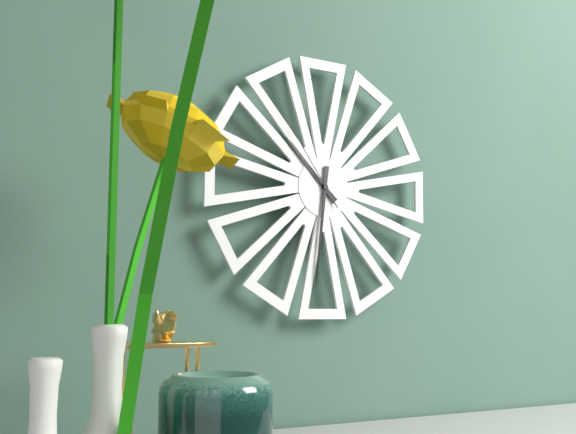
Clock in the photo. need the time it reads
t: 10:31:54
